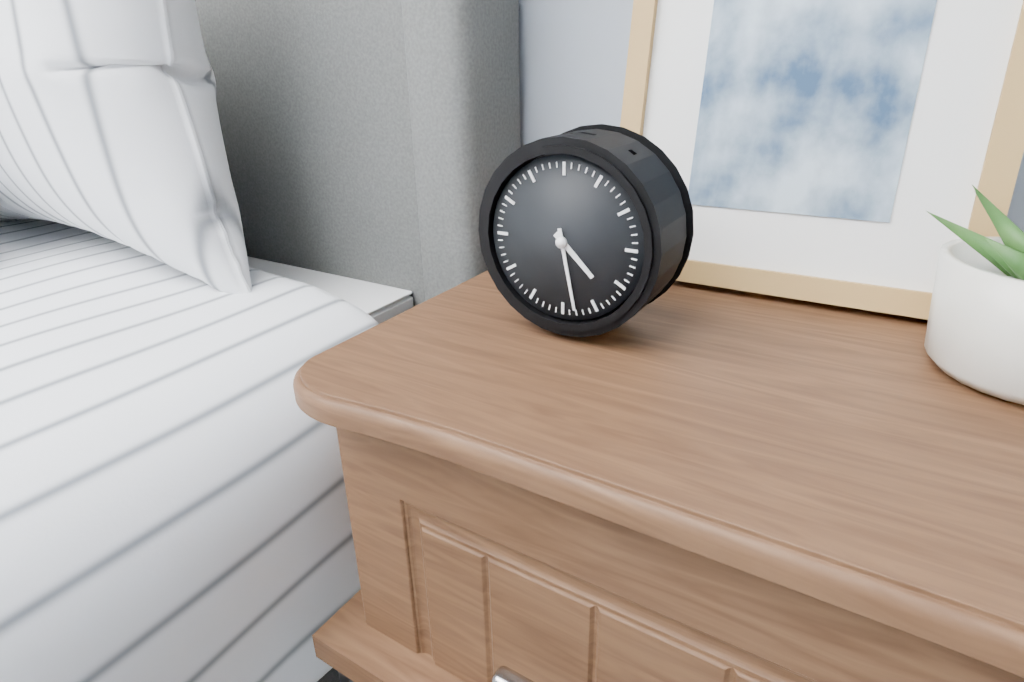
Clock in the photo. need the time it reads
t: 4:28
